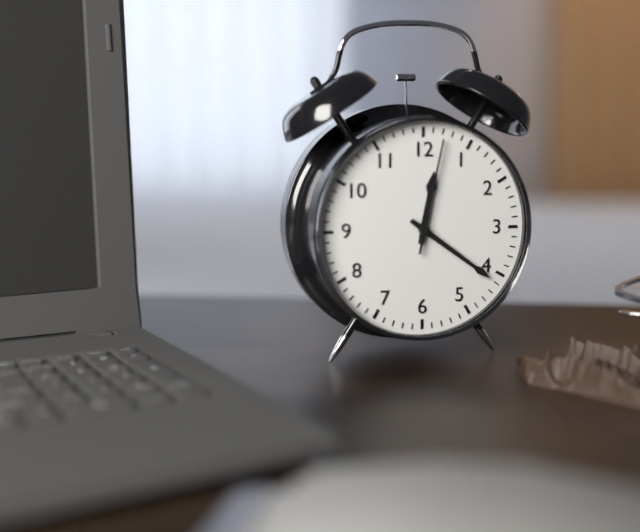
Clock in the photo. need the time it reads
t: 12:21:02
